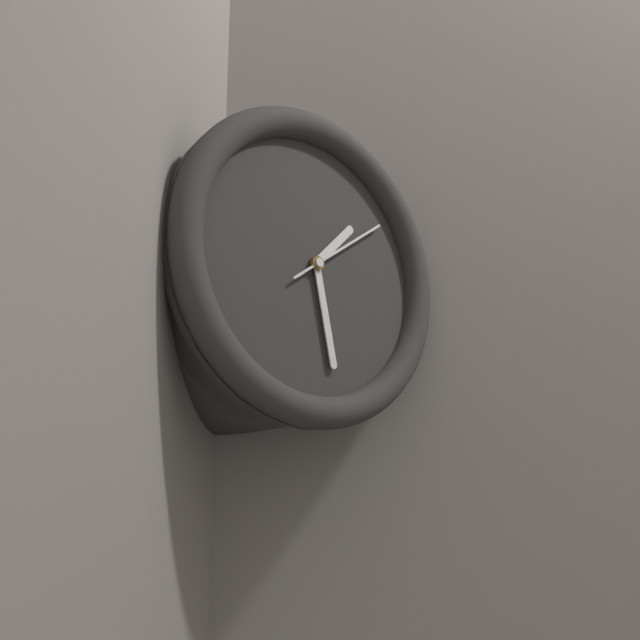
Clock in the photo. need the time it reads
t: 1:28:09
